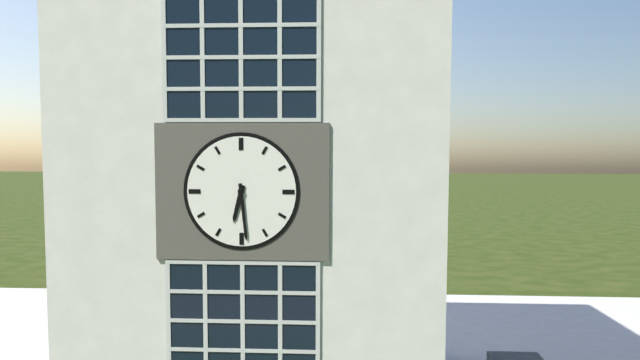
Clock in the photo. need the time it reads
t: 6:29
